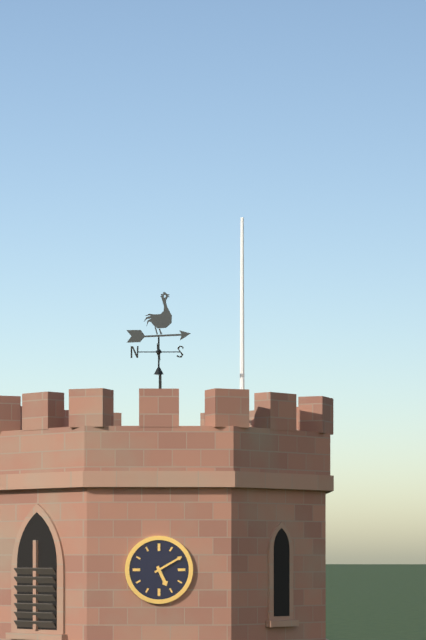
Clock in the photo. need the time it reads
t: 5:10
